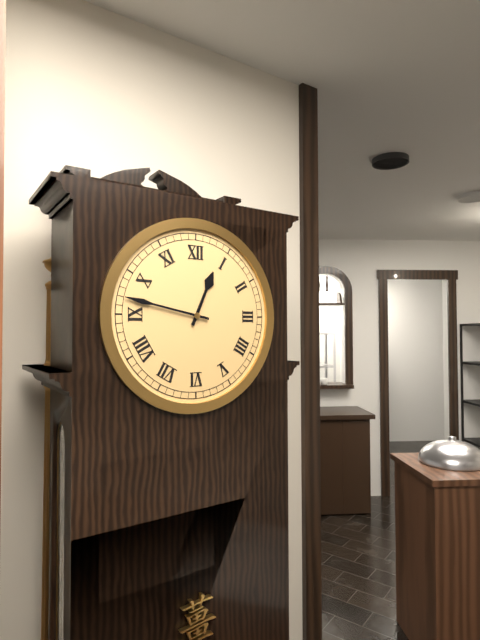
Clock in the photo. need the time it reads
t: 12:47
